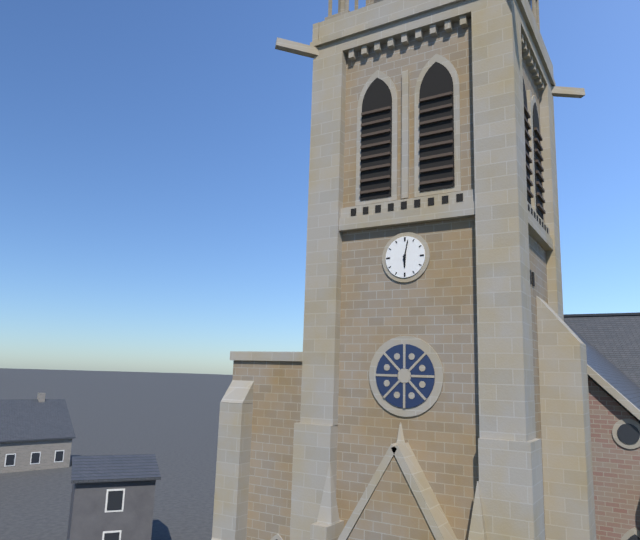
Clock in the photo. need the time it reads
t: 6:02
